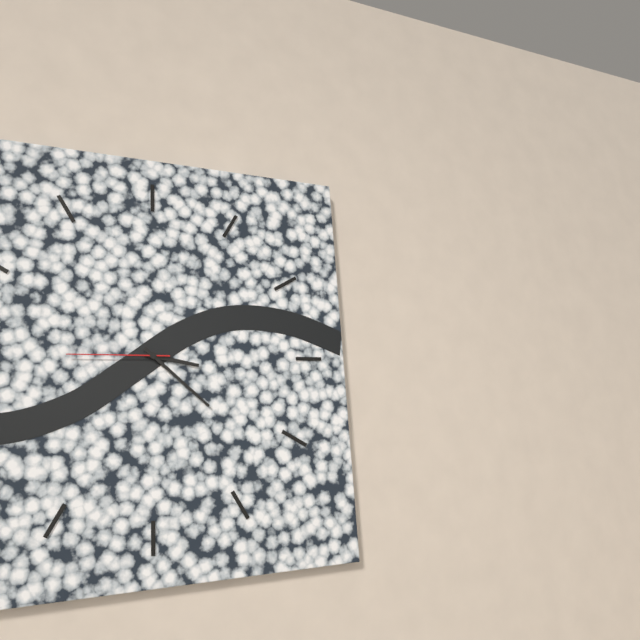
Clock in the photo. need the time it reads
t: 3:22:45
